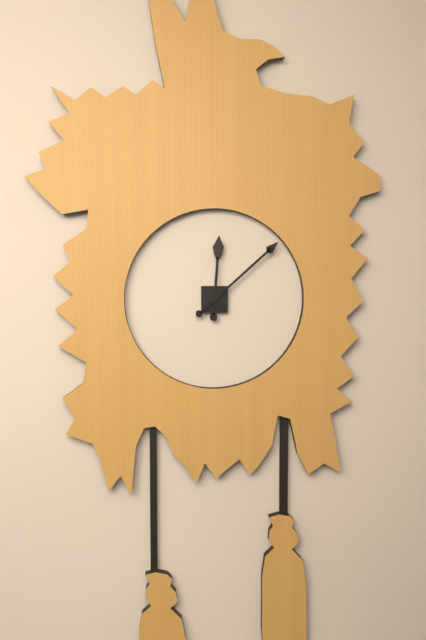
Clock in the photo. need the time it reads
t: 12:08
